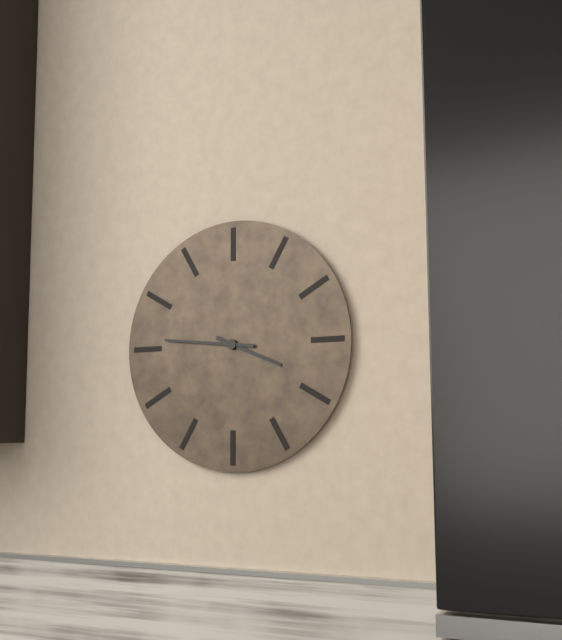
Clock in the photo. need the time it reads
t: 3:46
